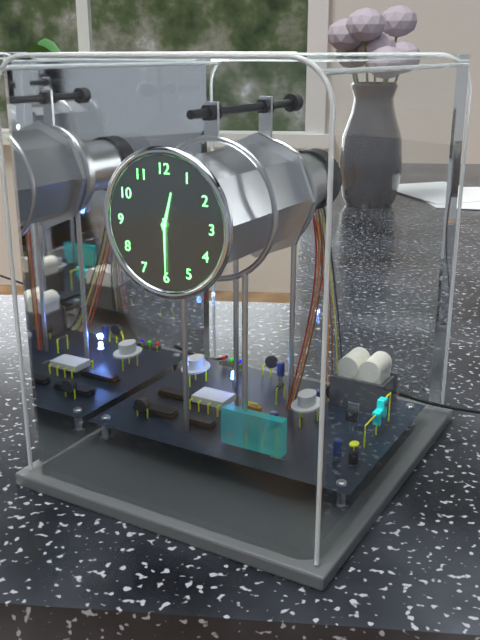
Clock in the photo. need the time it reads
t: 12:30
